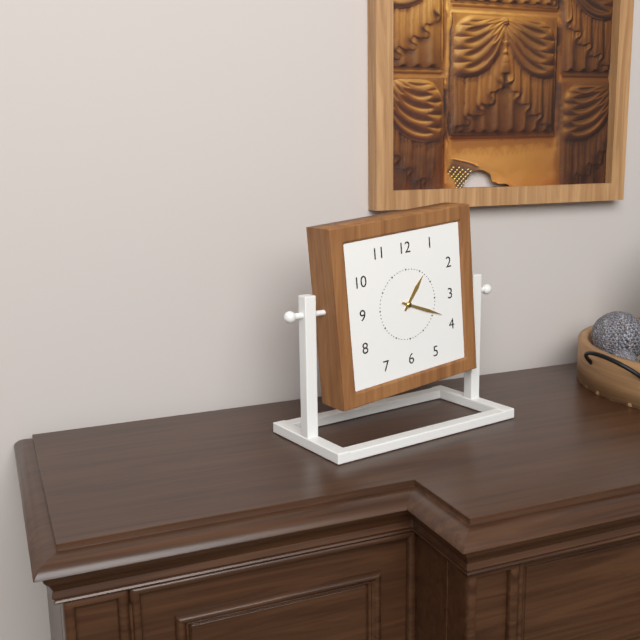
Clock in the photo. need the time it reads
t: 1:19
